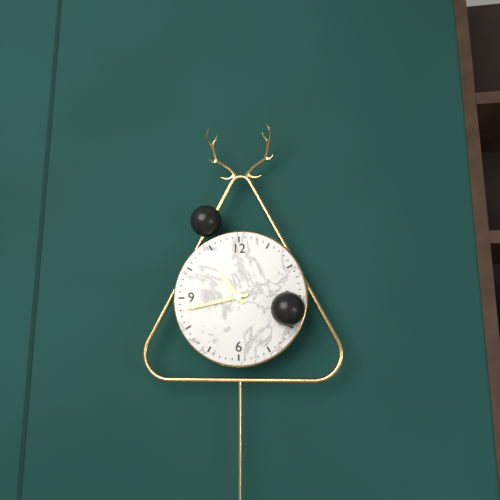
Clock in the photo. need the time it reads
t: 10:43
